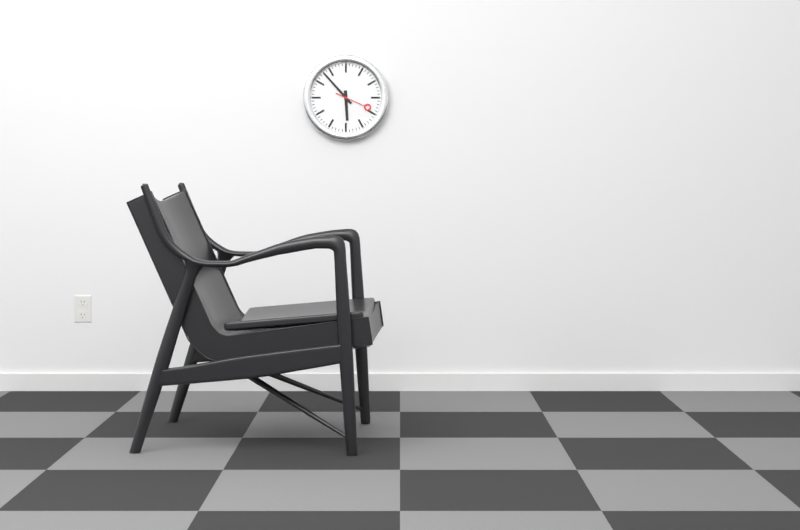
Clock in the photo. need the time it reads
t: 5:53
